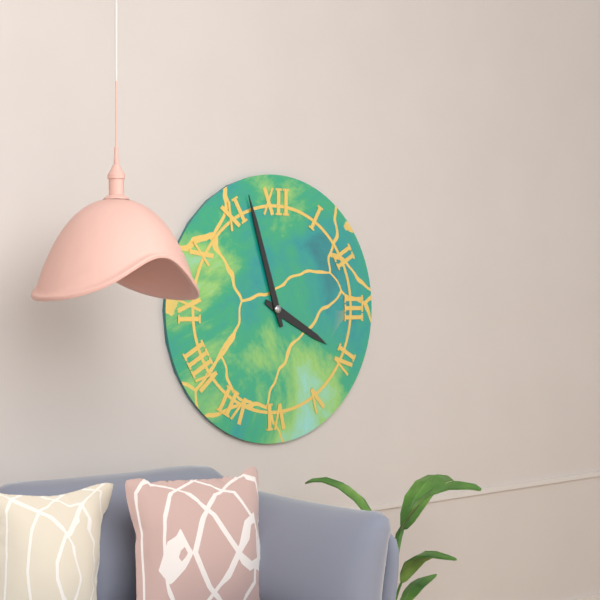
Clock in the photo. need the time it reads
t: 3:57
